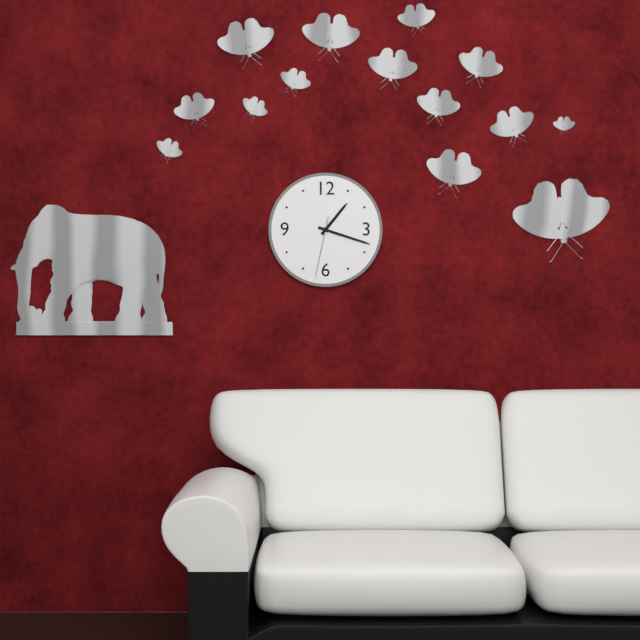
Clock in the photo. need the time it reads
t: 1:18:32
